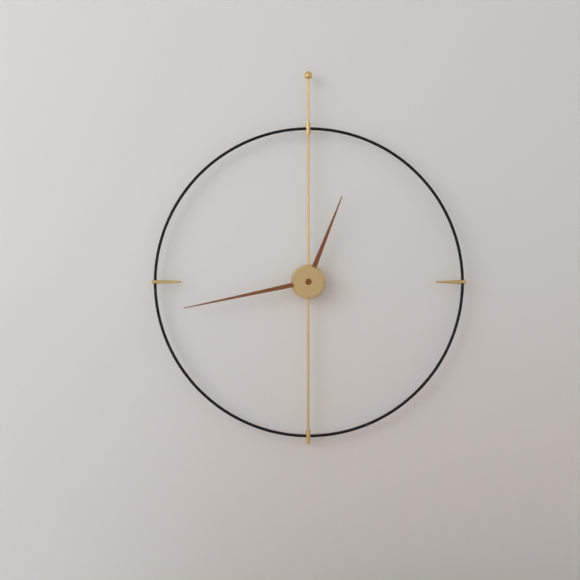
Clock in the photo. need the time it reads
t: 12:43
